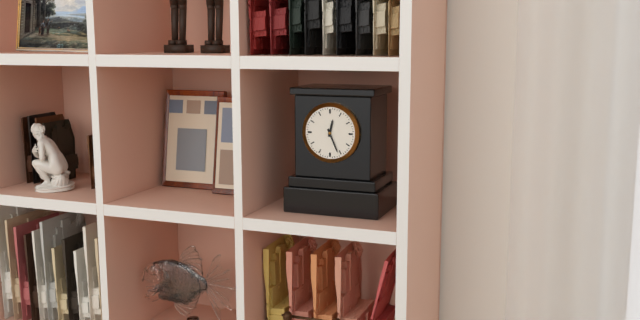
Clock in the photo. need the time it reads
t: 12:26
